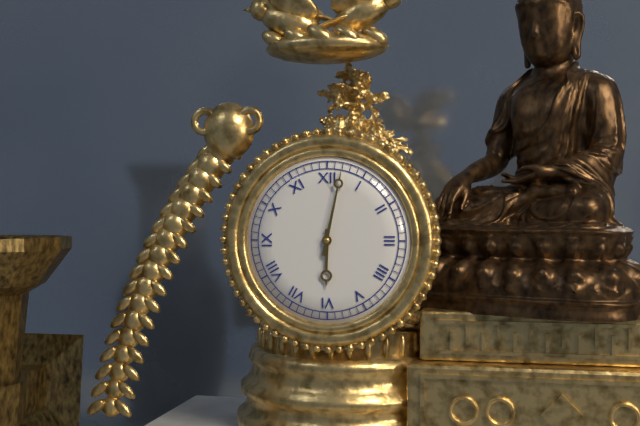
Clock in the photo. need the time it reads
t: 6:02
